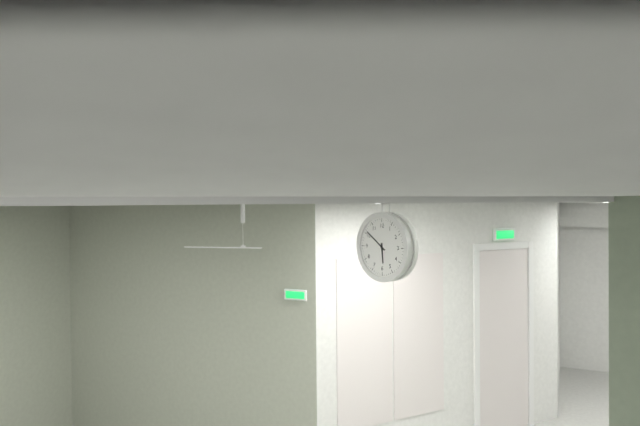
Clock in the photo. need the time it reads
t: 5:51
